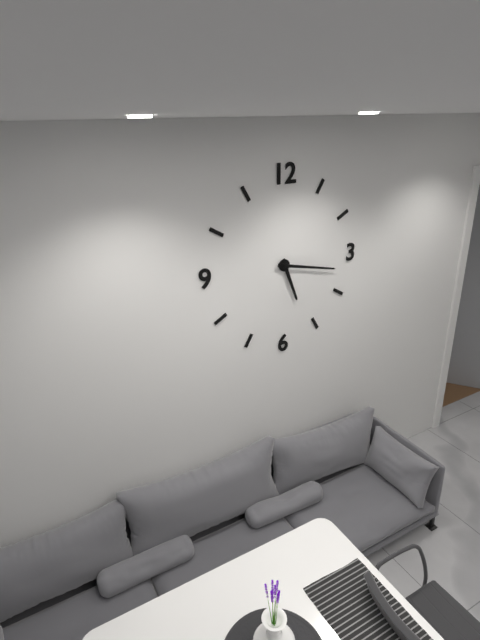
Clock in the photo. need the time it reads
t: 5:17
